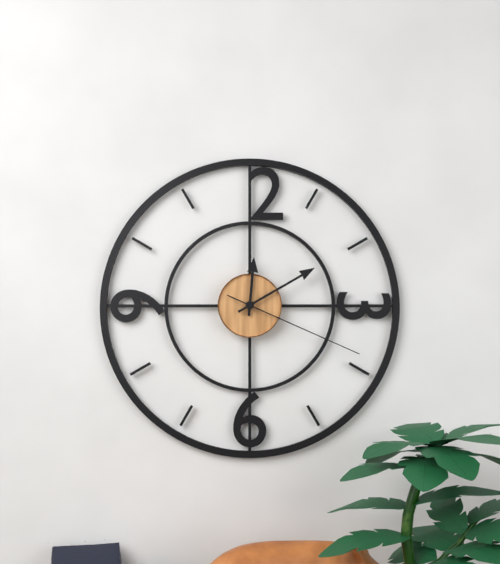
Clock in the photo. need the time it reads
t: 12:10:19
